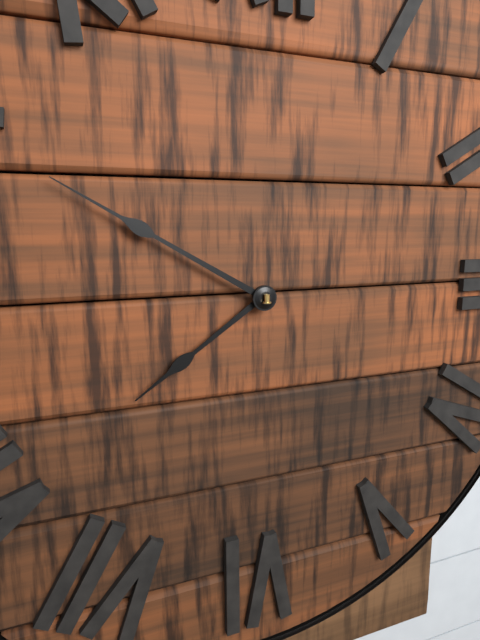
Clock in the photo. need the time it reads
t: 7:50
